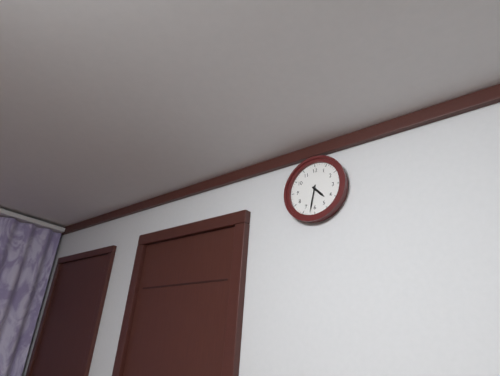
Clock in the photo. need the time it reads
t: 4:32
